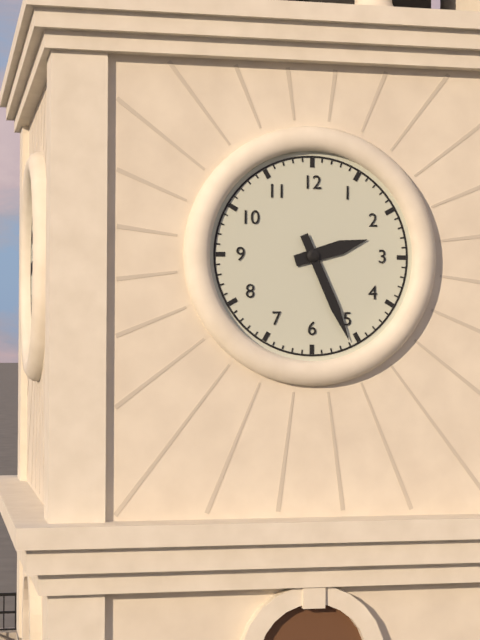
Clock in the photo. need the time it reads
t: 2:26
